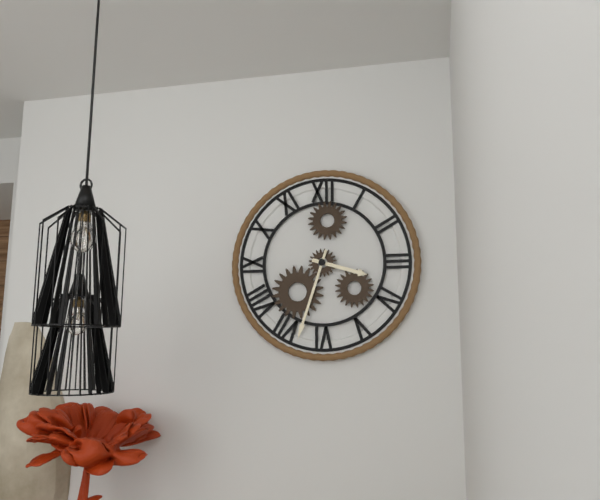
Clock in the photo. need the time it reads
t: 3:33
